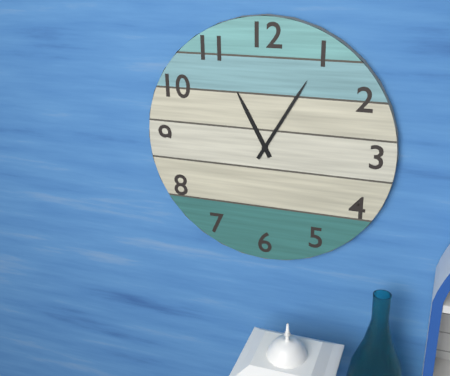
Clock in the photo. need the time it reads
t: 11:05
